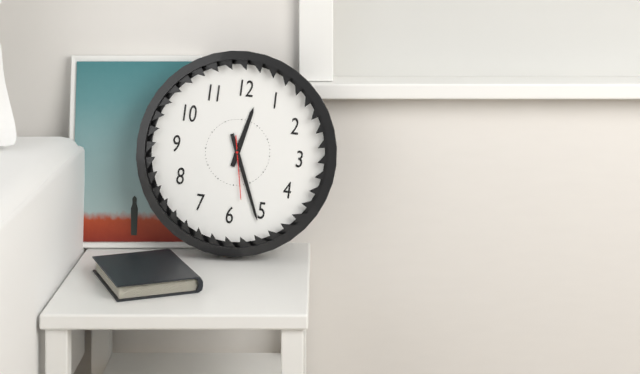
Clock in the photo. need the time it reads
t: 12:26:28
